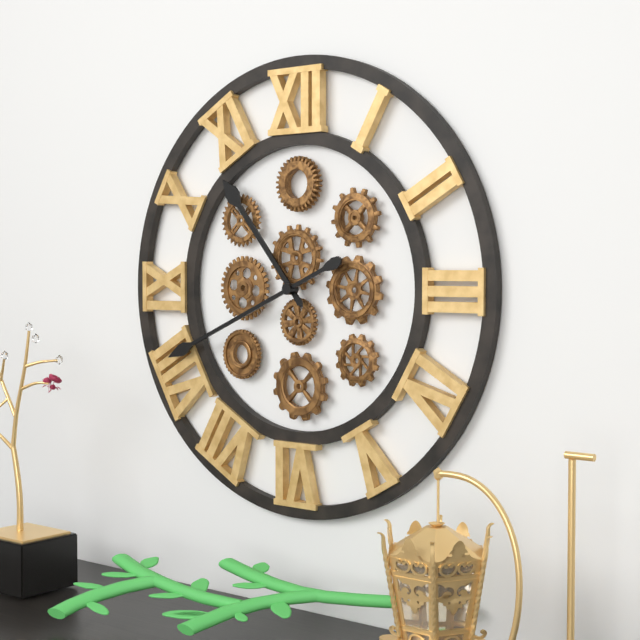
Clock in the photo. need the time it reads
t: 10:41
